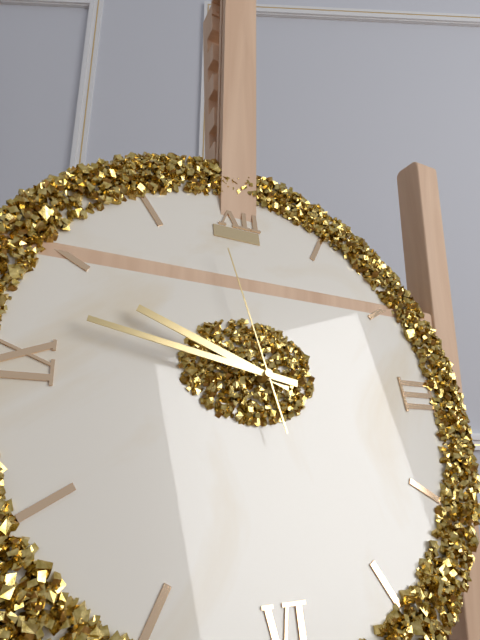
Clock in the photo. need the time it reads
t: 9:47:58
